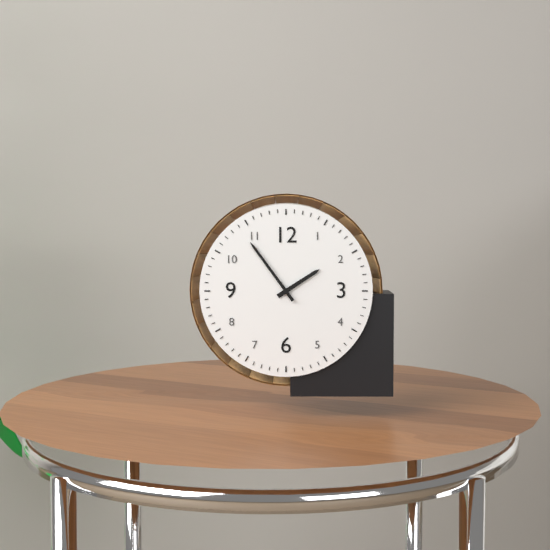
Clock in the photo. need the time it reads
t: 1:54
